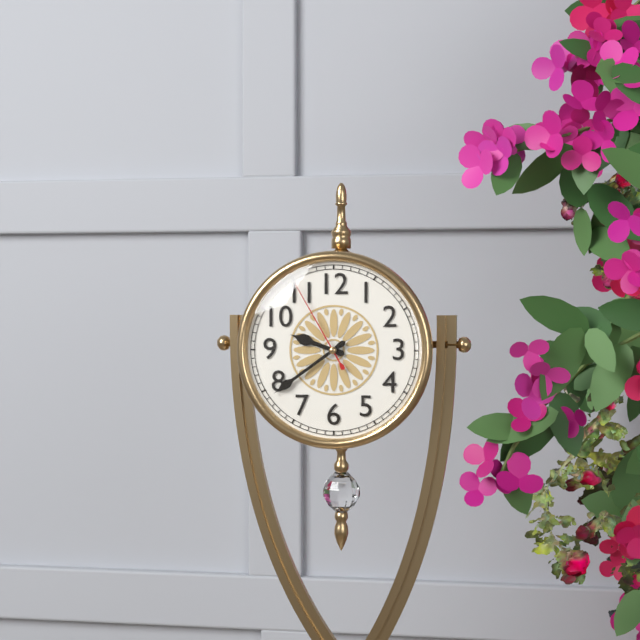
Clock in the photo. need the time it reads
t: 9:39:55
